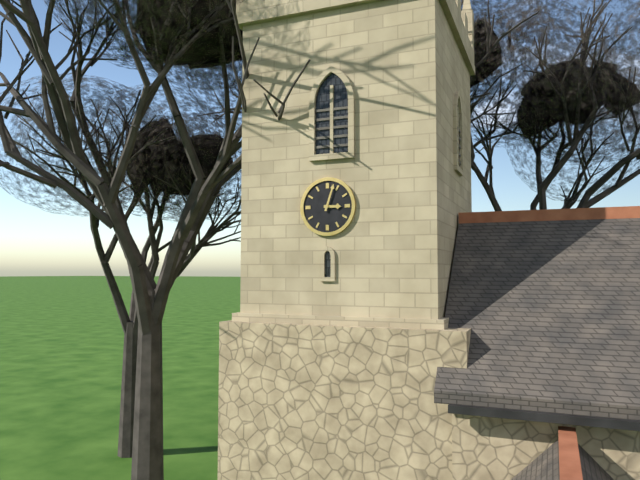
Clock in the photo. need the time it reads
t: 3:03
